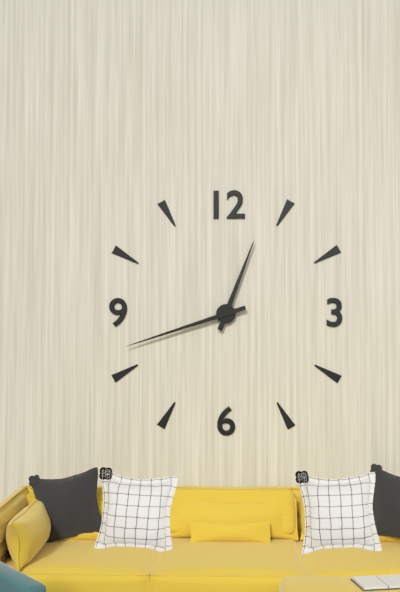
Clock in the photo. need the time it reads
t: 12:42
